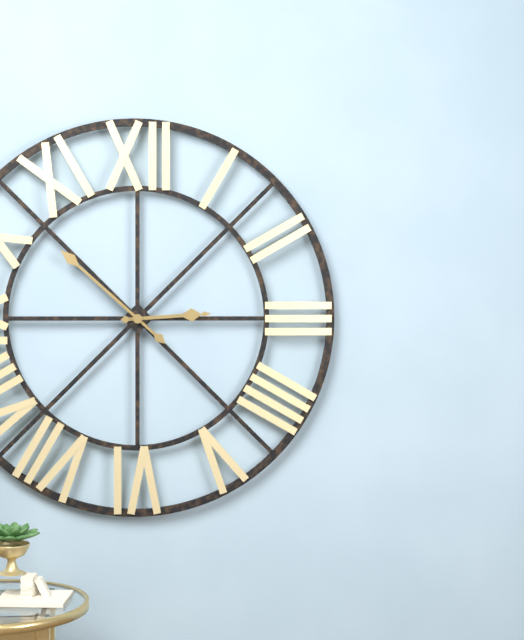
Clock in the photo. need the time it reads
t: 2:52
